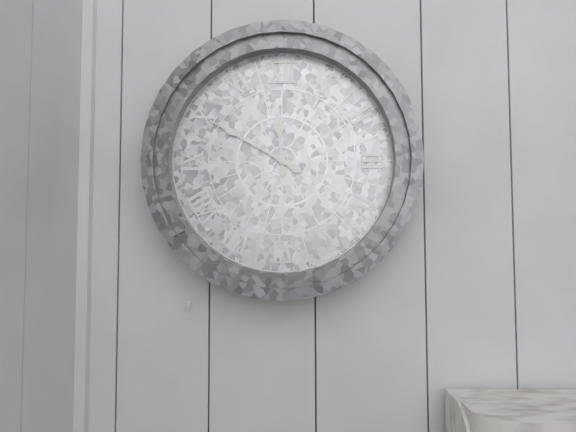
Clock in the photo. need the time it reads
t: 11:50
